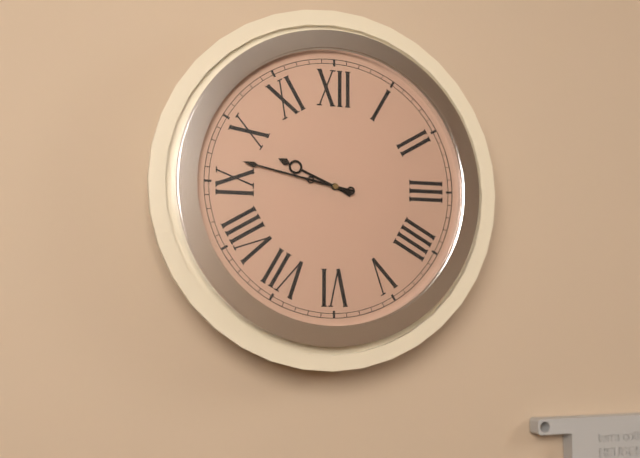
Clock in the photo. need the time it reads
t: 9:47
